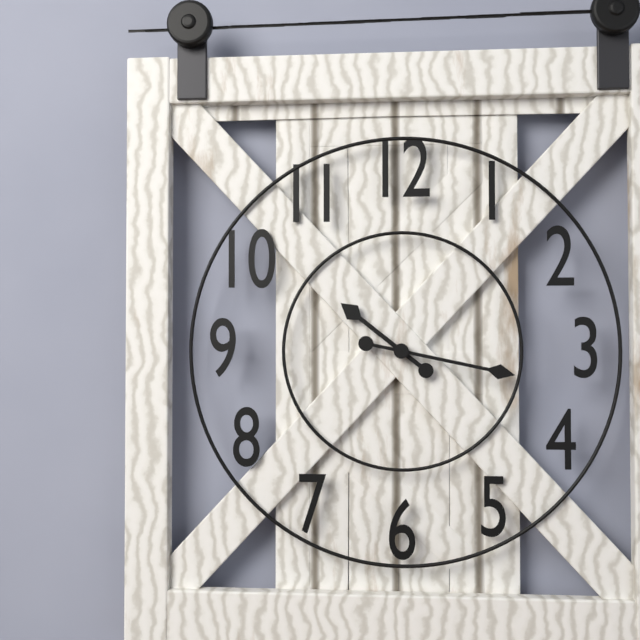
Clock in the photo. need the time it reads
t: 10:17
